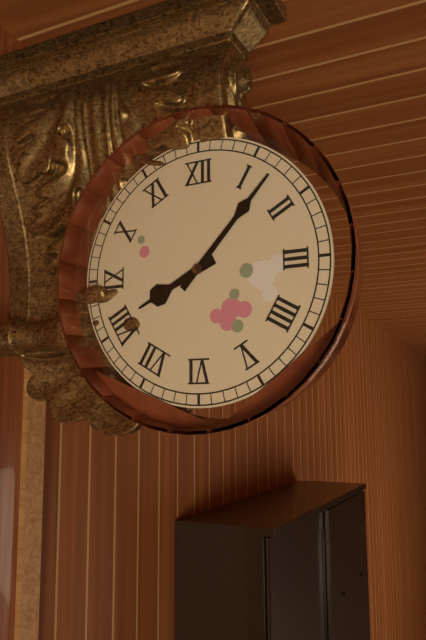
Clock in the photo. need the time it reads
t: 8:07
